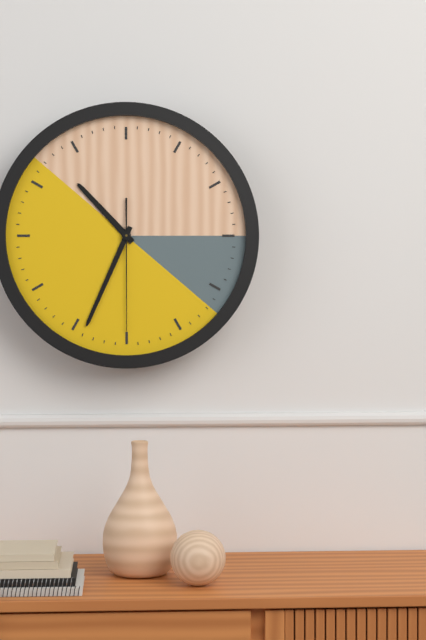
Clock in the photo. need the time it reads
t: 10:34:30
